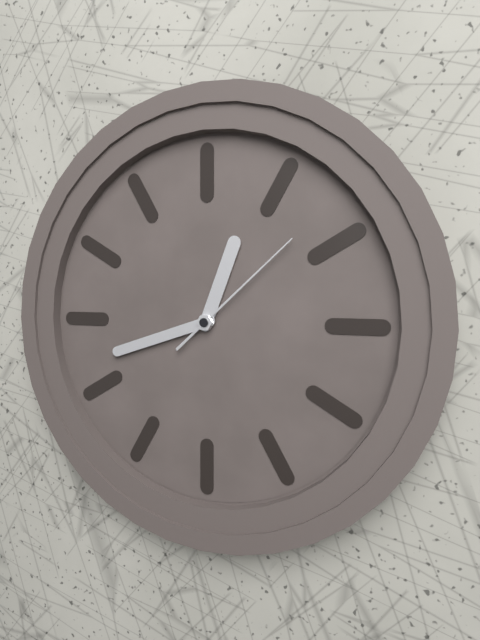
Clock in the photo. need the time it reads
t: 12:42:08
